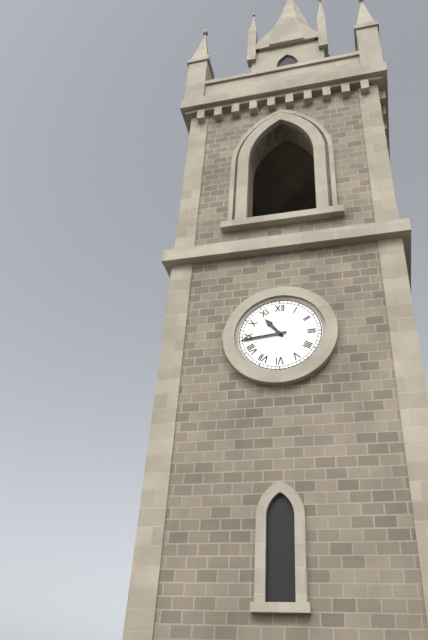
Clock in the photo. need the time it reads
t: 10:44
